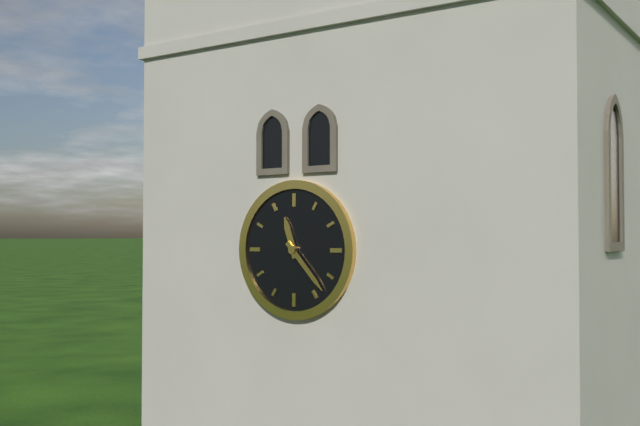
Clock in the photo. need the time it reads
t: 11:23
